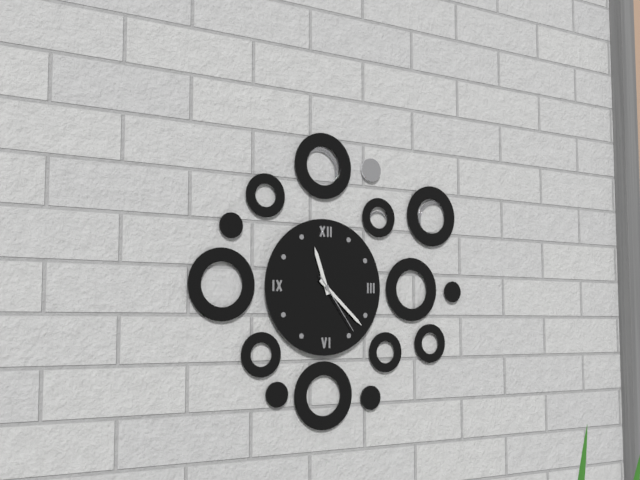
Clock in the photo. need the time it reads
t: 11:22:24
